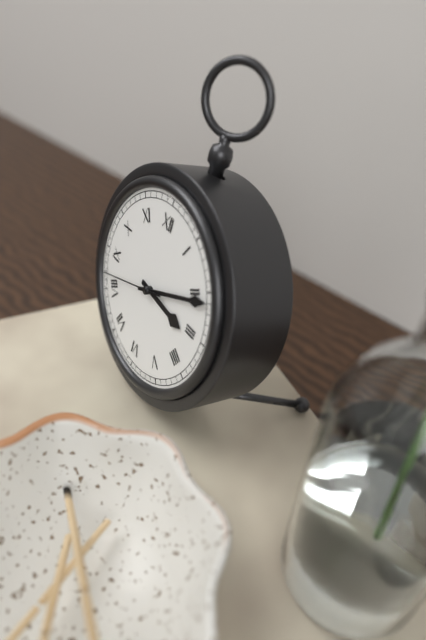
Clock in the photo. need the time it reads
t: 3:11:42
